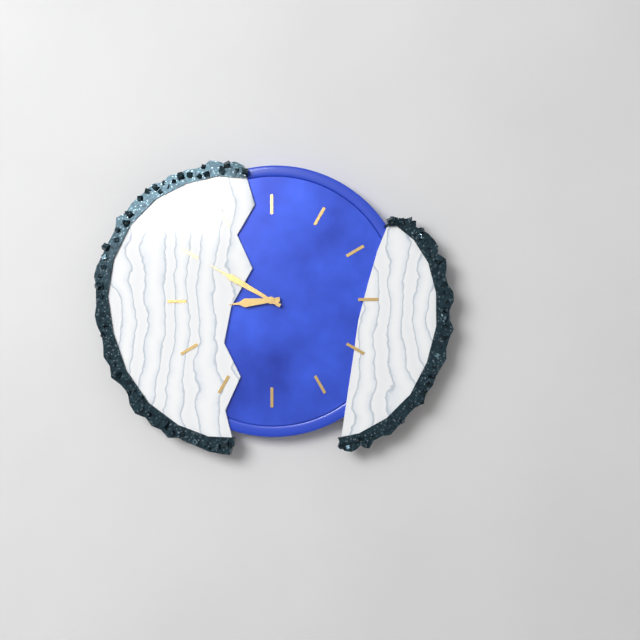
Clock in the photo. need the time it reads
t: 8:50
